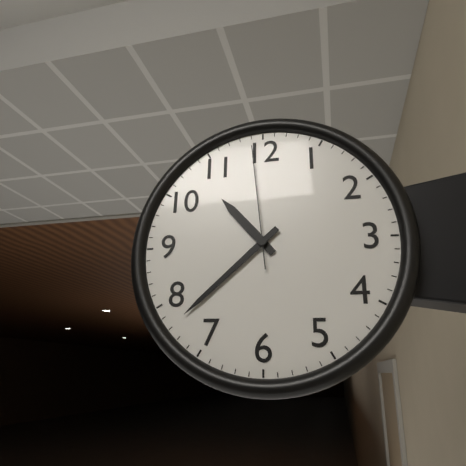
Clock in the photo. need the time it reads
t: 10:38:59
